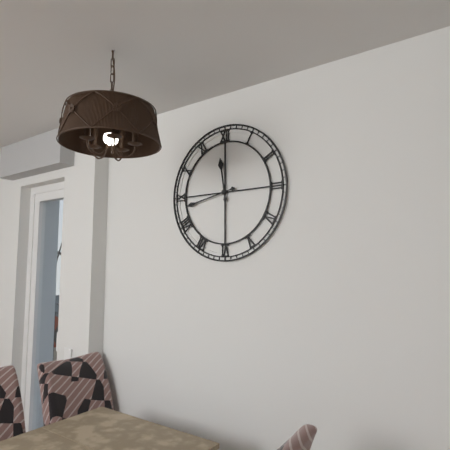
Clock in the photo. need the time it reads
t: 11:43
